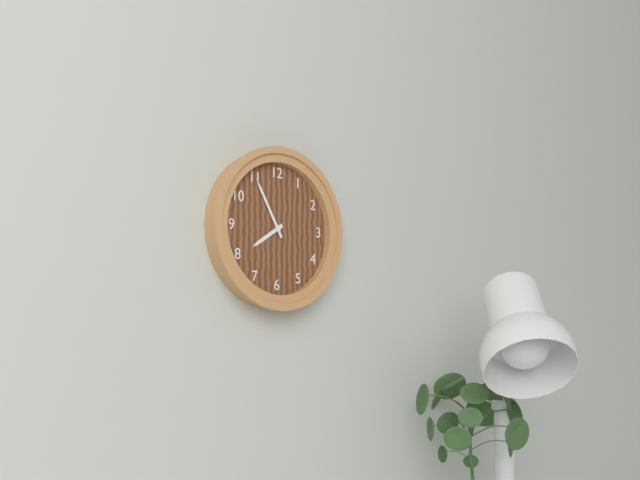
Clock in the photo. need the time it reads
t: 7:55
